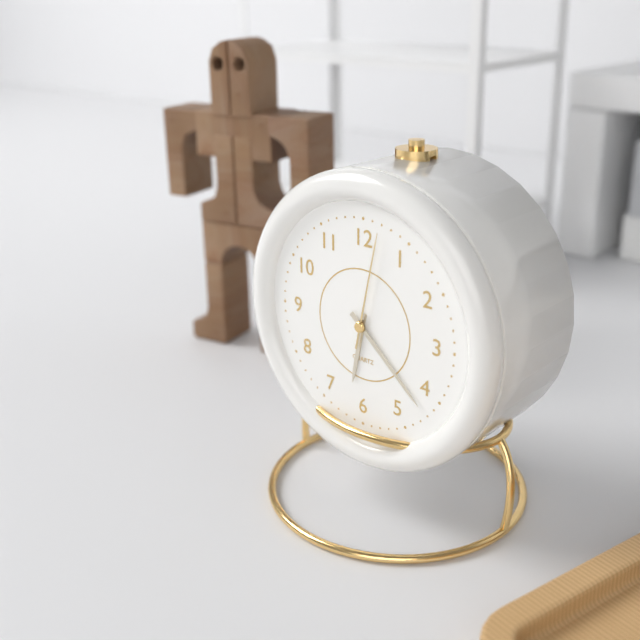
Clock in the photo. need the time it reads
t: 6:22:02
